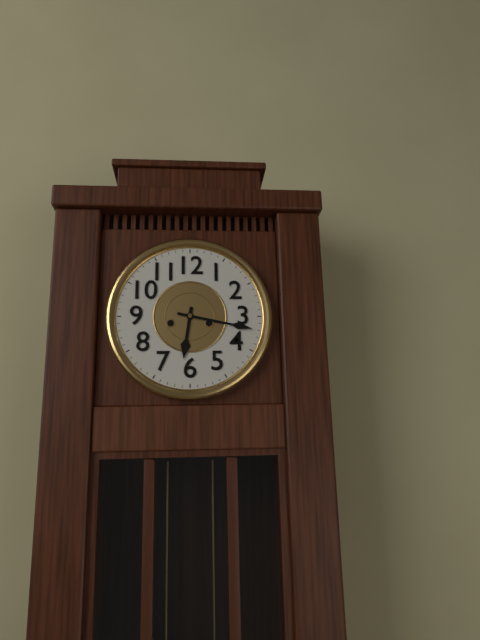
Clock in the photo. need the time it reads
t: 6:17
